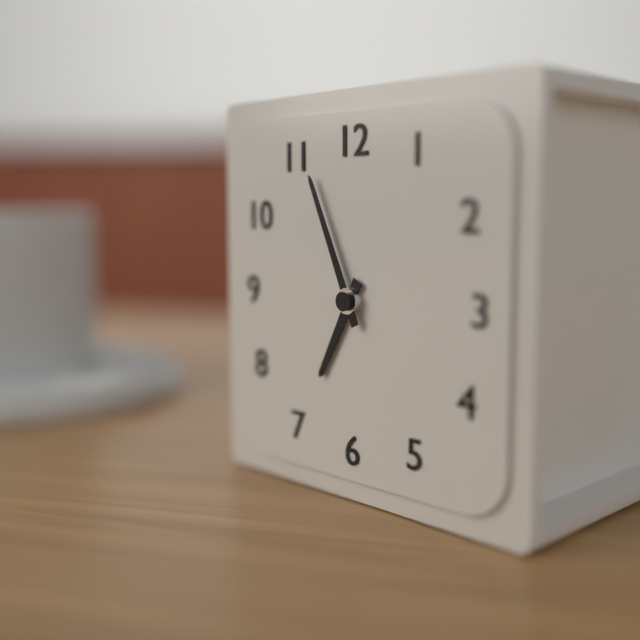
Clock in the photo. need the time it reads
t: 6:56
